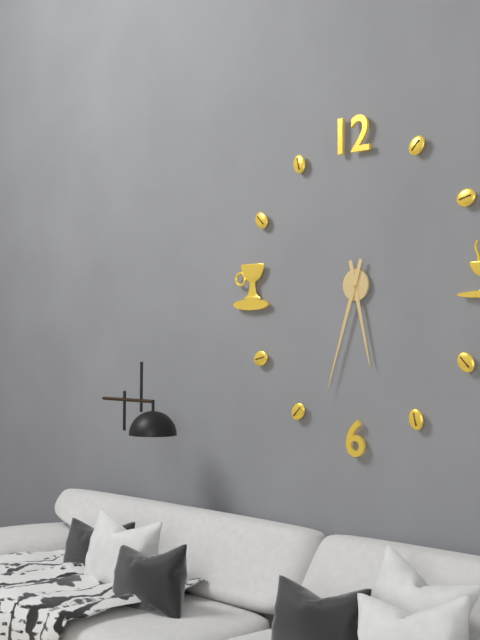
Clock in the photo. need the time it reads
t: 5:33
